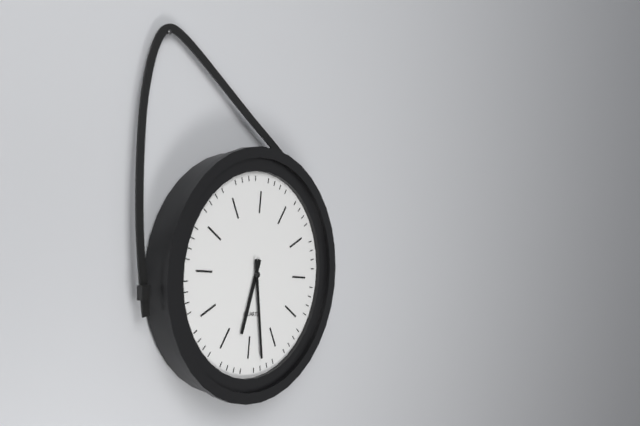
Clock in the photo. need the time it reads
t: 6:28
